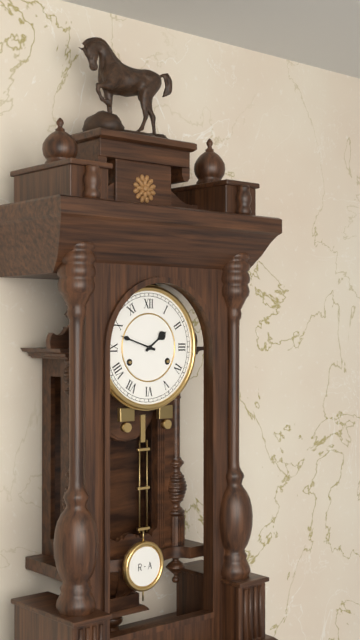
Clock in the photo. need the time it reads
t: 1:48
